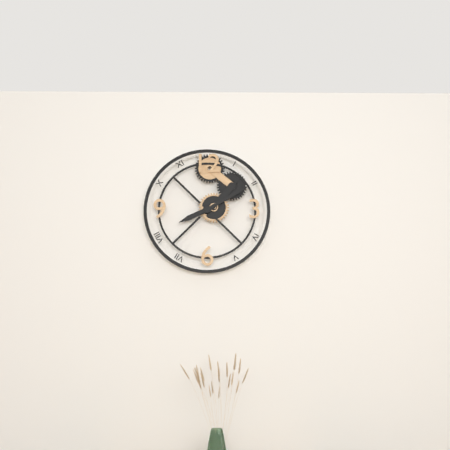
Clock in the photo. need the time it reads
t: 8:10
